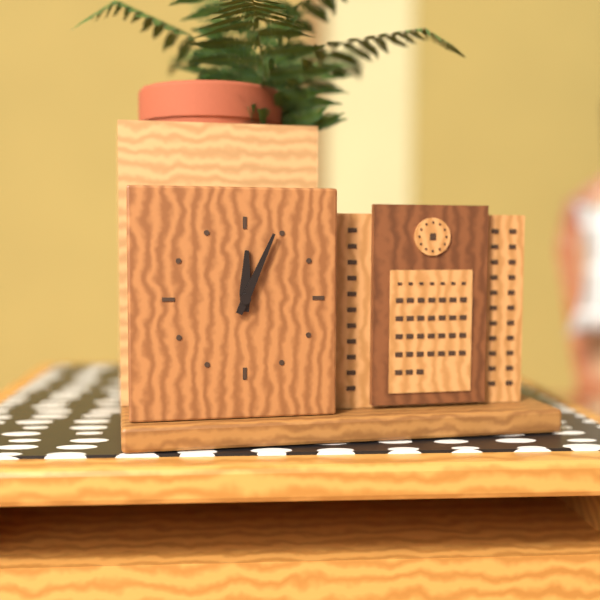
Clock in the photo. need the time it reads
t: 12:04
